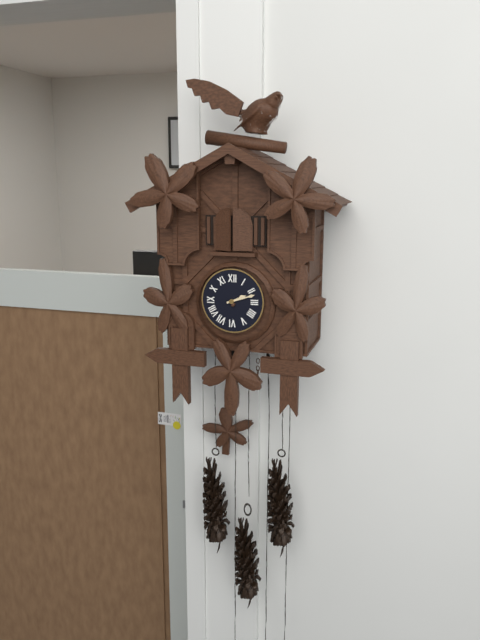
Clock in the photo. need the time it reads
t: 2:12
